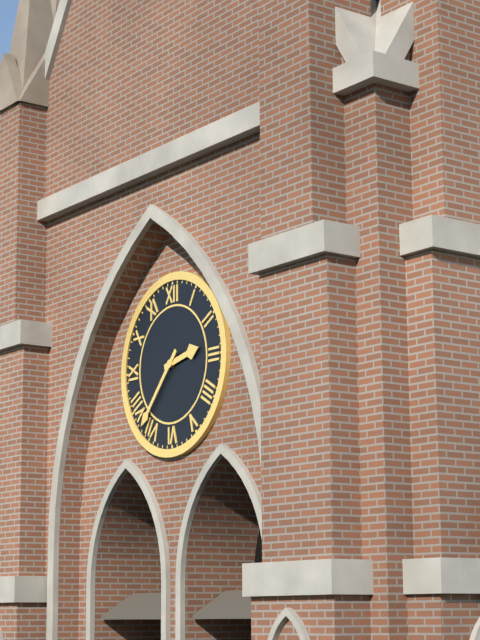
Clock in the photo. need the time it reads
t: 2:37
